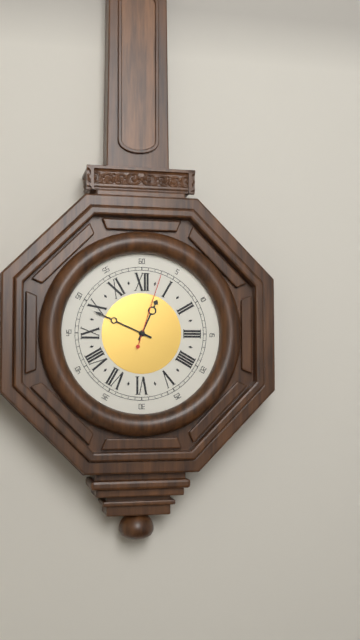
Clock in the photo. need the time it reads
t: 12:49:03
